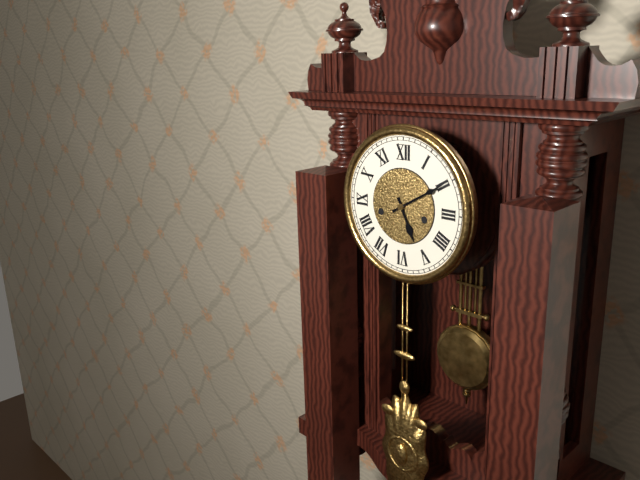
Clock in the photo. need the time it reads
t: 5:10
